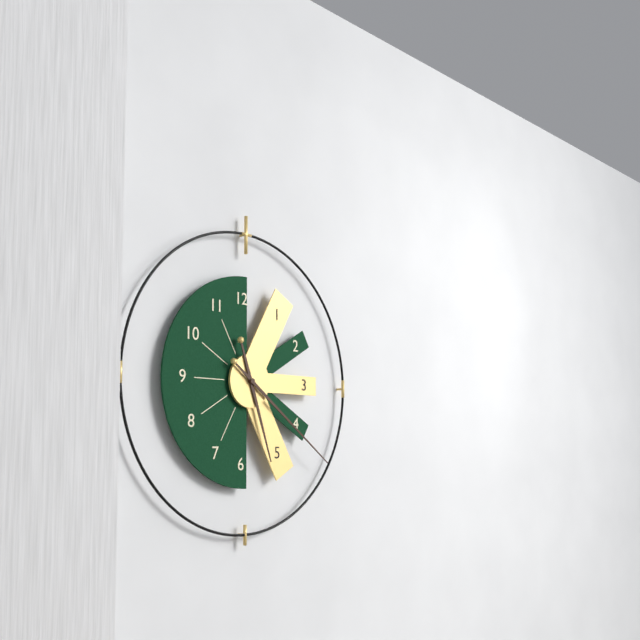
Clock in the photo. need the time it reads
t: 5:21
